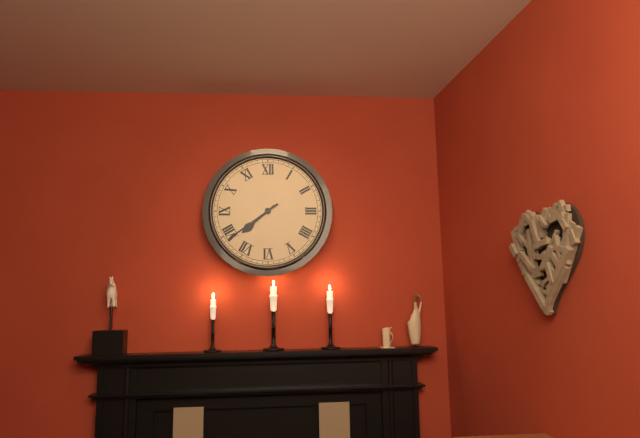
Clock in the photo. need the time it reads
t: 7:39
